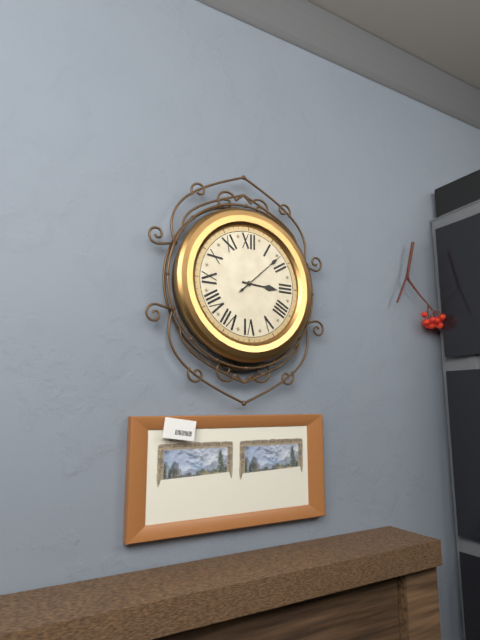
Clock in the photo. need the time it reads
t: 3:08
